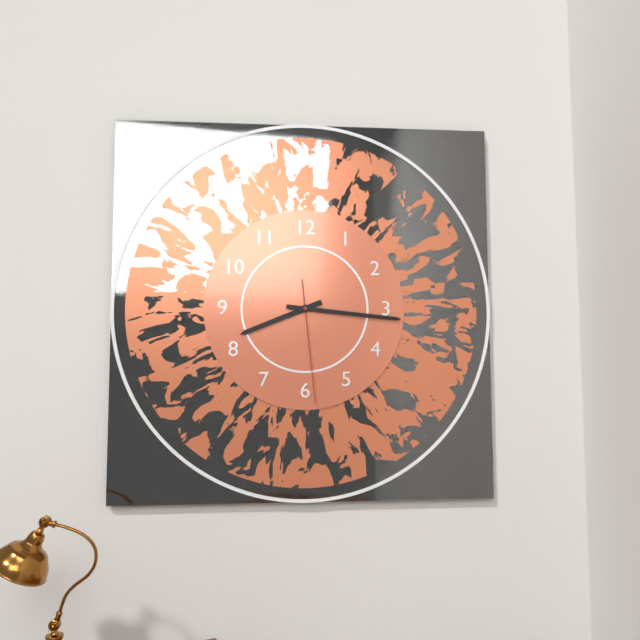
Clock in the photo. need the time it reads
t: 8:16:29
